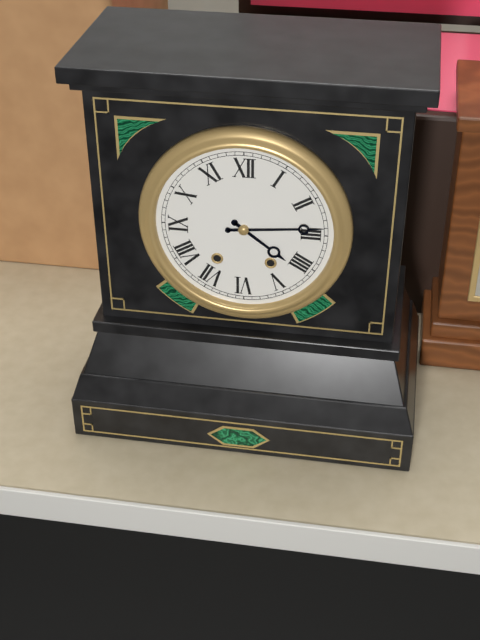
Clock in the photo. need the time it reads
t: 4:14
